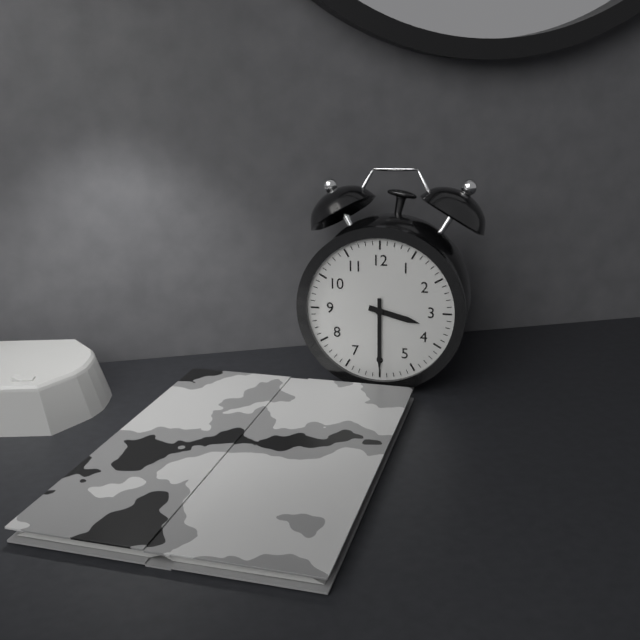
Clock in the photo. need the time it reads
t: 3:30
